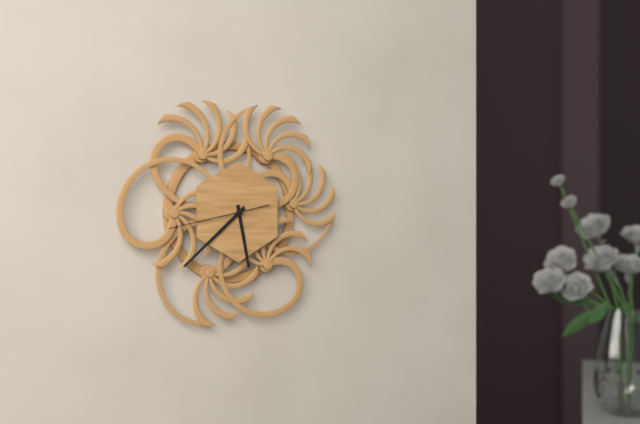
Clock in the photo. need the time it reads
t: 5:38:43
